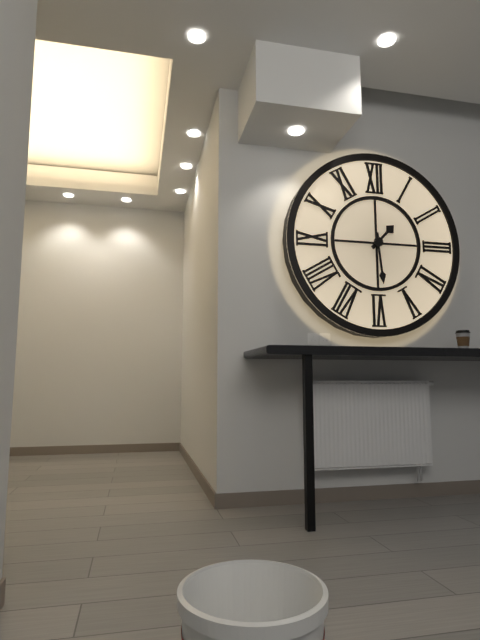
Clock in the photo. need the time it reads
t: 1:29
